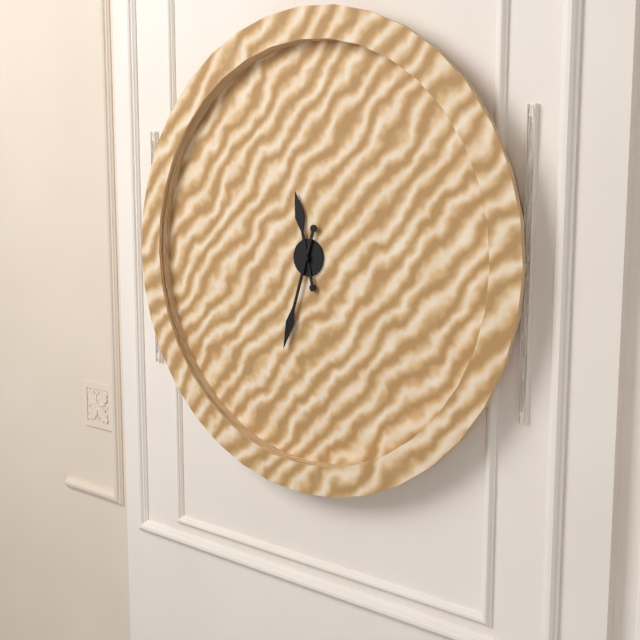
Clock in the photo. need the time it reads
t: 11:33
